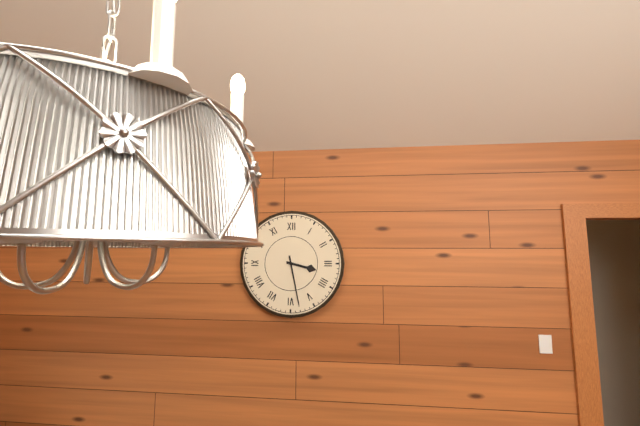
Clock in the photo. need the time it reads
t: 3:28
